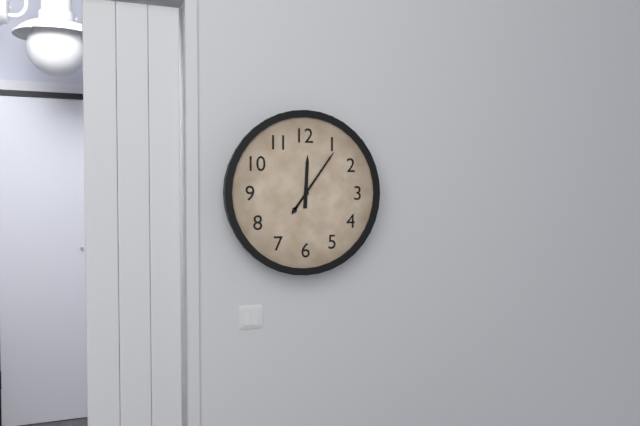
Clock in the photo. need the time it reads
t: 12:06
